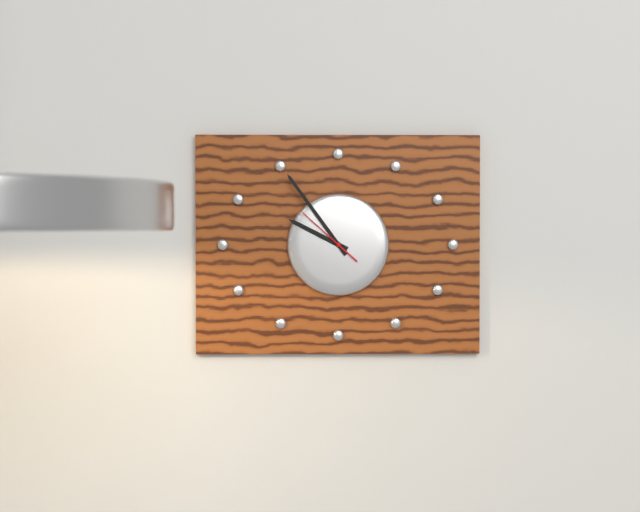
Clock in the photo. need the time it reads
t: 9:54:52
